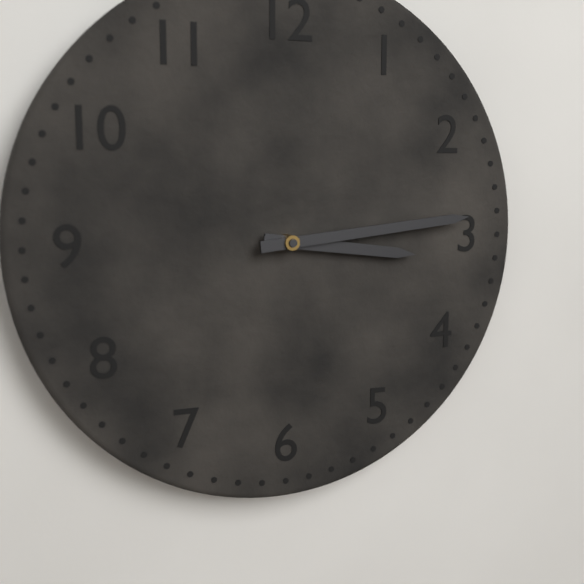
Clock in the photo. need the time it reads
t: 3:14
